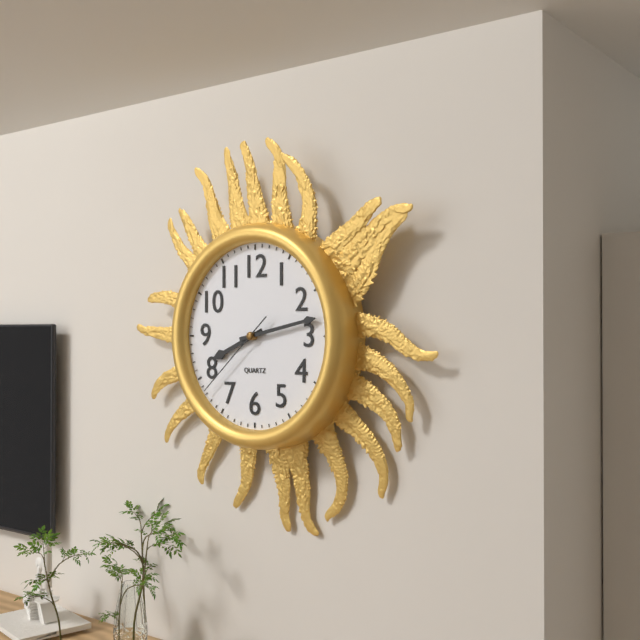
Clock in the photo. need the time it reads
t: 8:13:38
